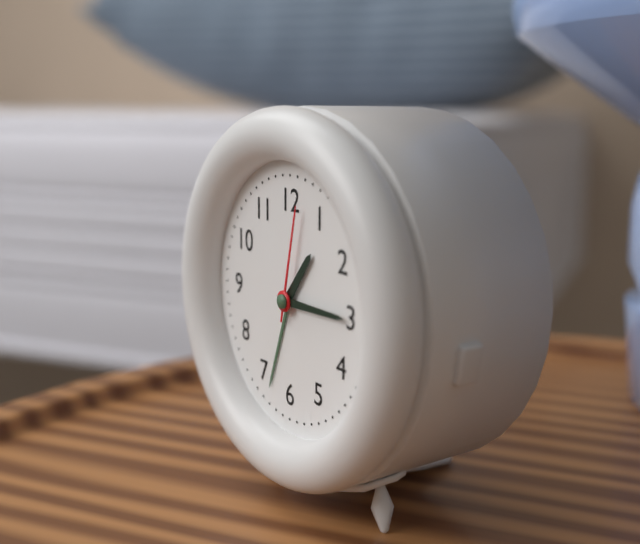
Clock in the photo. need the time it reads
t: 1:15:02
